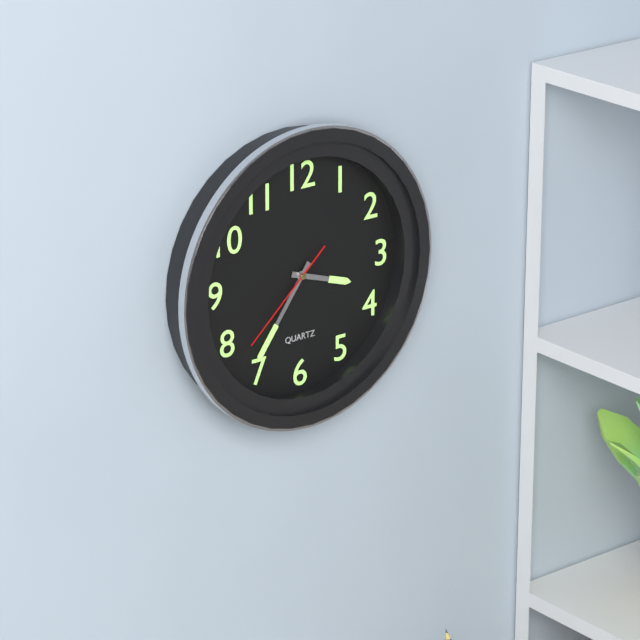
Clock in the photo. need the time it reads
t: 3:36:38
